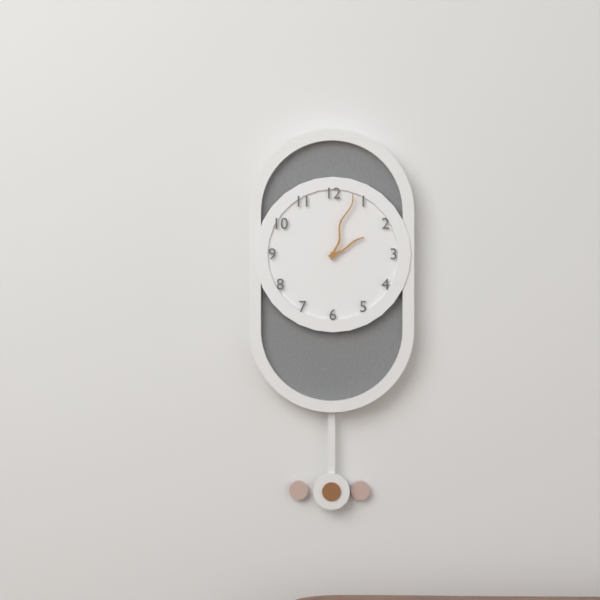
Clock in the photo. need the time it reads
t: 2:03
